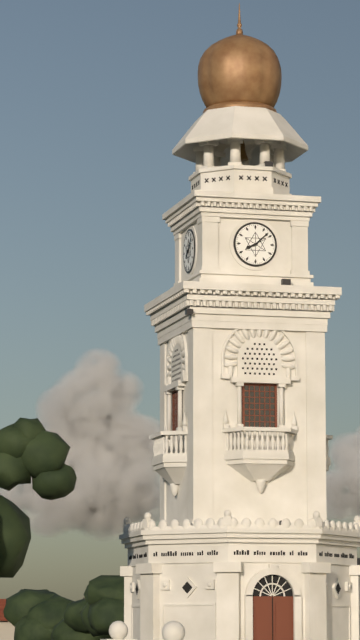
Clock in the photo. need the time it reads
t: 8:08
